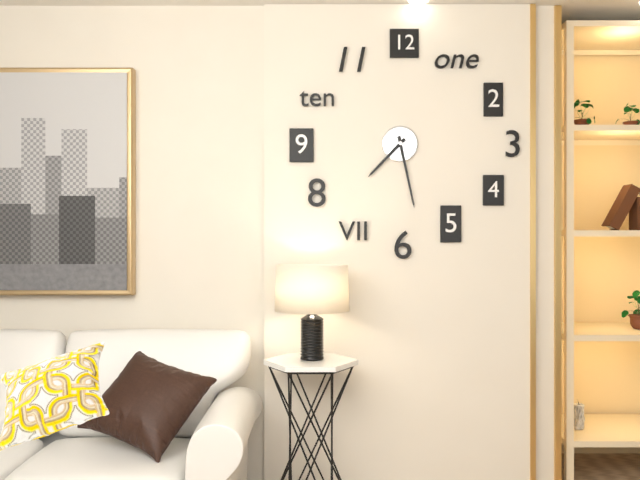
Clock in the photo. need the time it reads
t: 7:28
